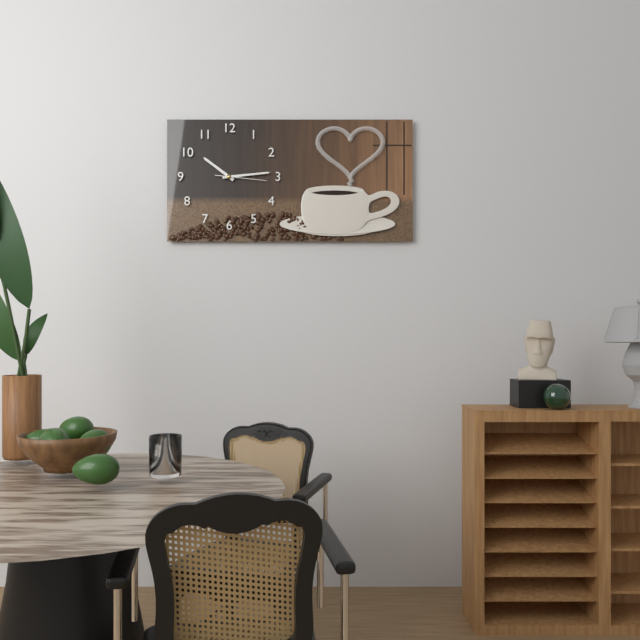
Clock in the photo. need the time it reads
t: 10:14
